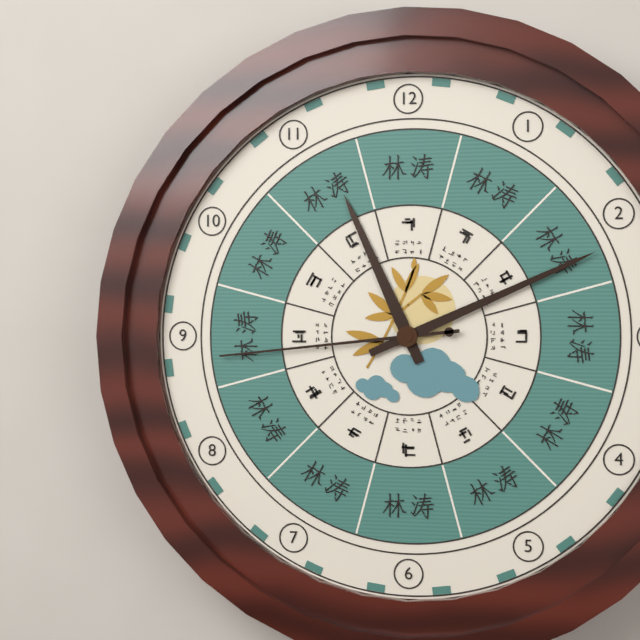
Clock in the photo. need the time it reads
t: 11:11:44
